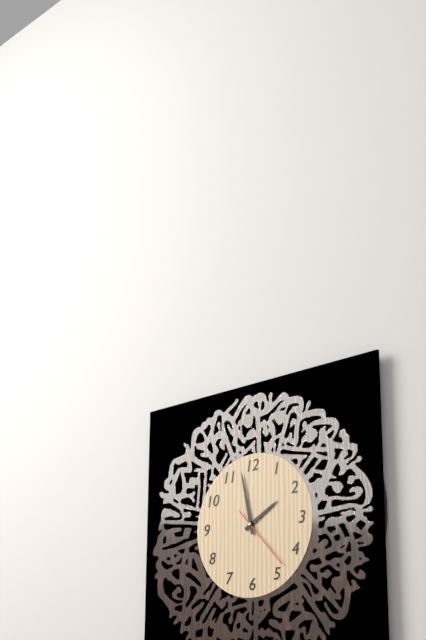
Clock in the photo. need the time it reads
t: 1:58:23
